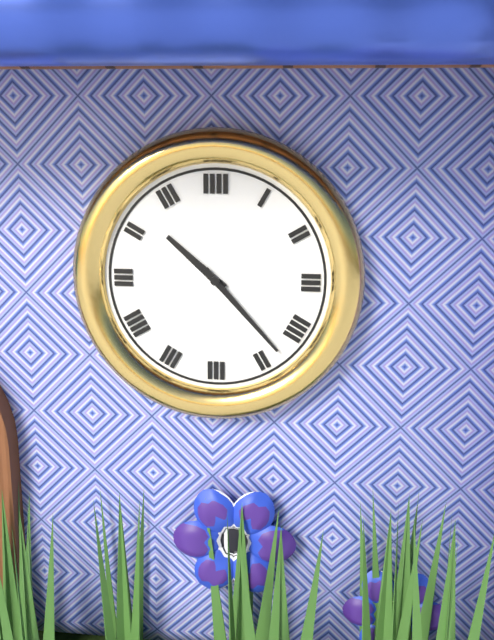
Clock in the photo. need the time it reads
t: 10:23
